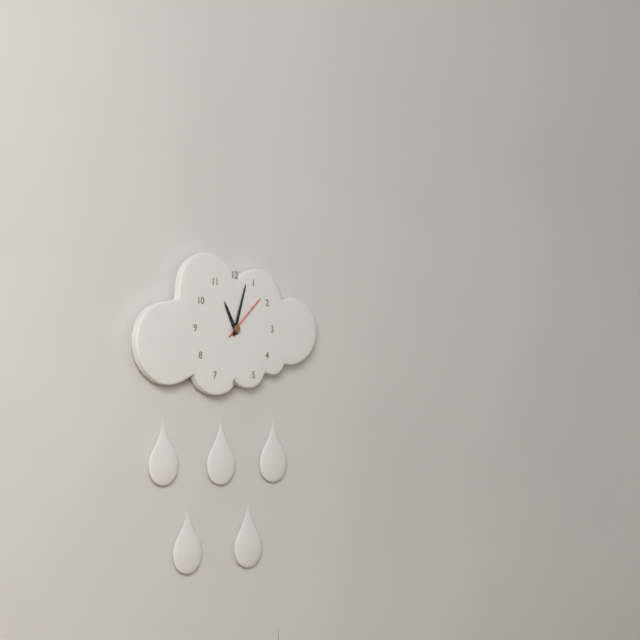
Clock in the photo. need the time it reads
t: 11:03
